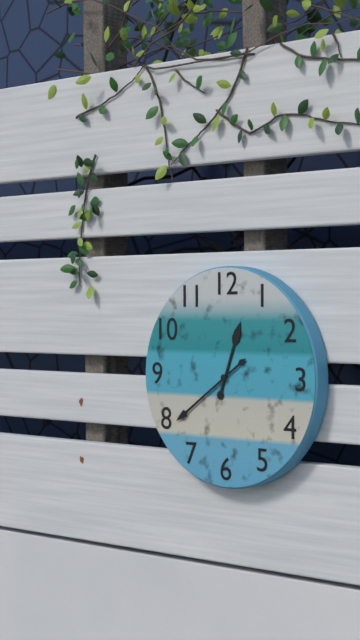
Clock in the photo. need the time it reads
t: 12:39
